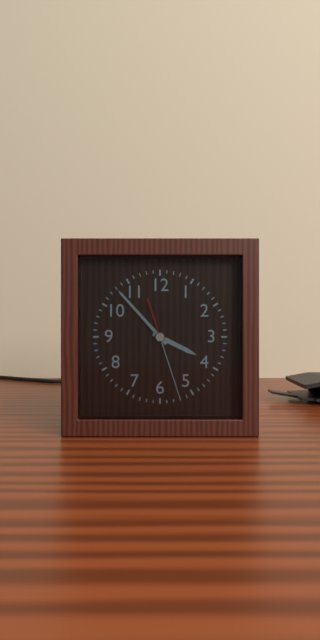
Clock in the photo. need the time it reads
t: 3:53:27
